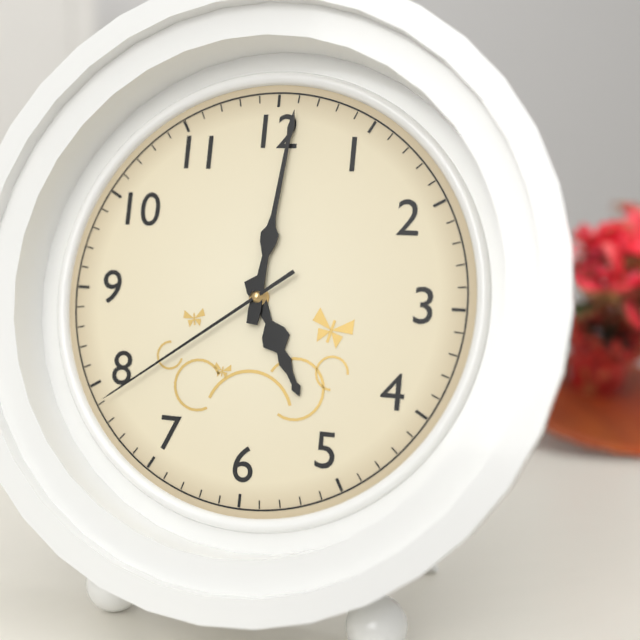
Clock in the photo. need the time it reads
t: 5:01:39
